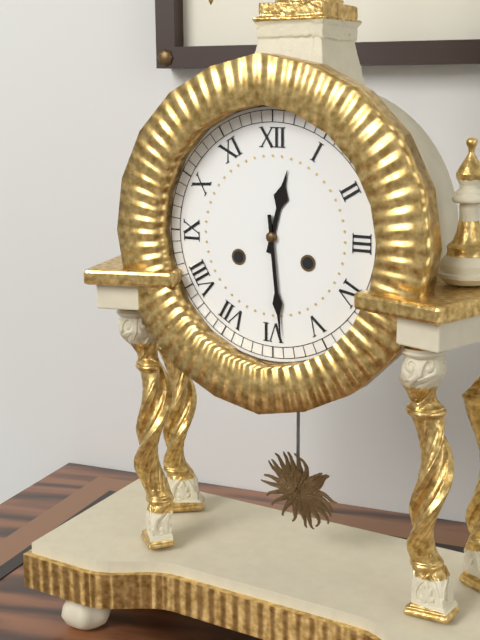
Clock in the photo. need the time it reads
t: 12:29
